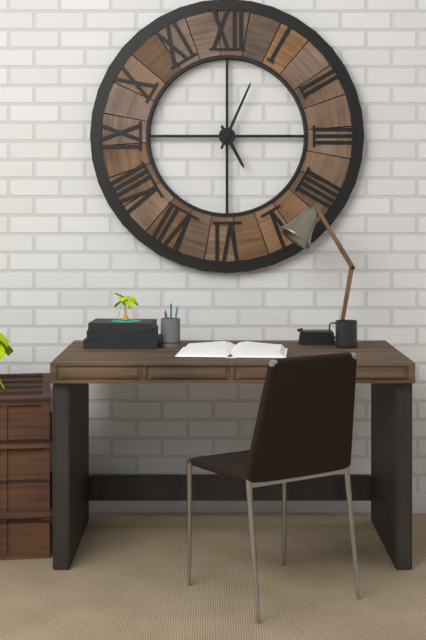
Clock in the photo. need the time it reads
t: 5:04
